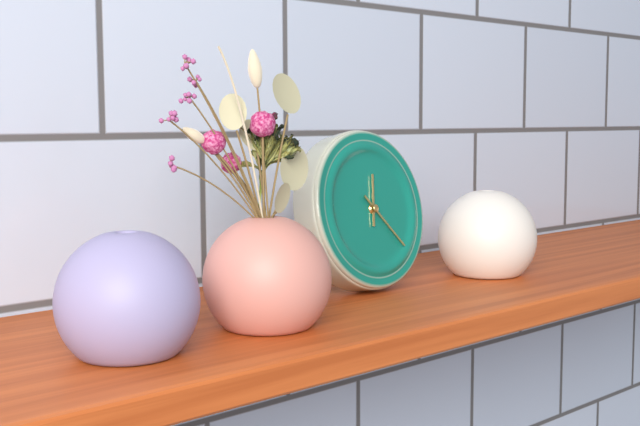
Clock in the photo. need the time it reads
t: 12:23
